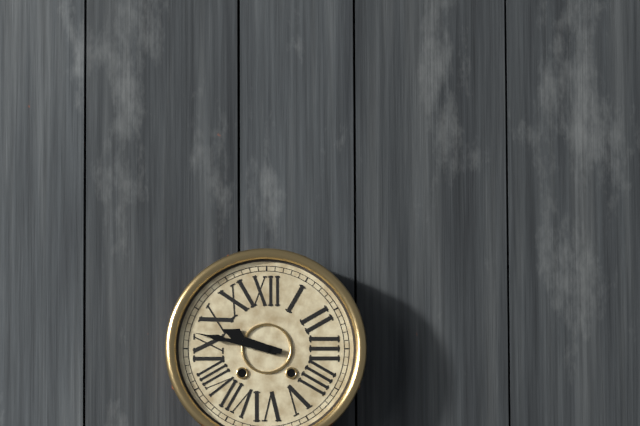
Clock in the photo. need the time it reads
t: 9:47
